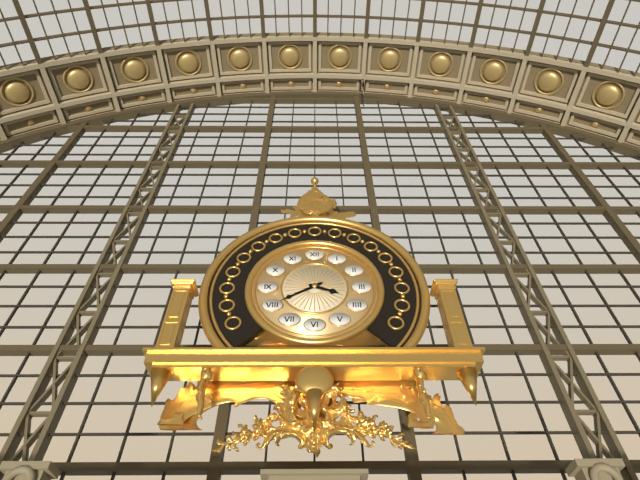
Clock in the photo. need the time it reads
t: 3:40
